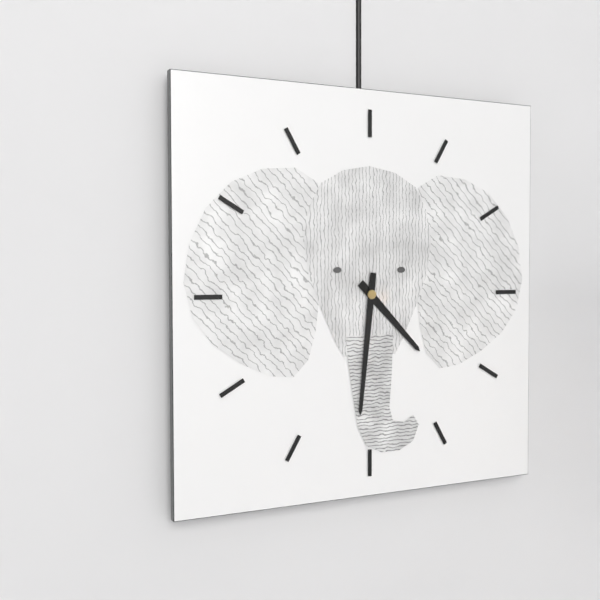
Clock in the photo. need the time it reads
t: 4:31
